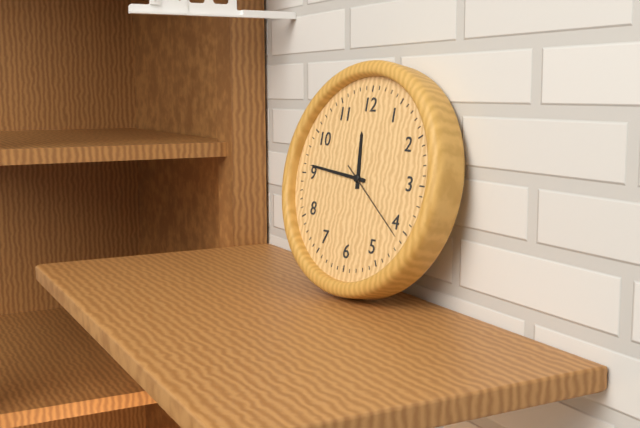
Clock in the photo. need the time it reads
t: 11:46:21
